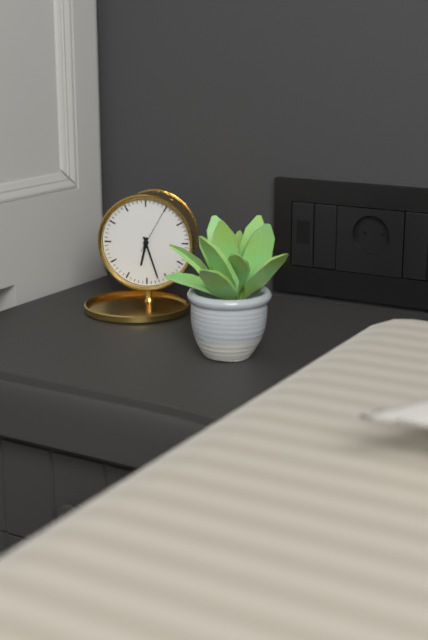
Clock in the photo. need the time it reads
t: 6:27
